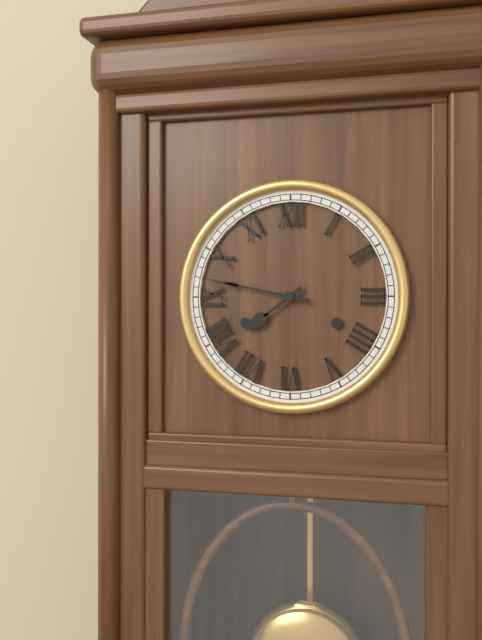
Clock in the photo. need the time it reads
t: 7:47
